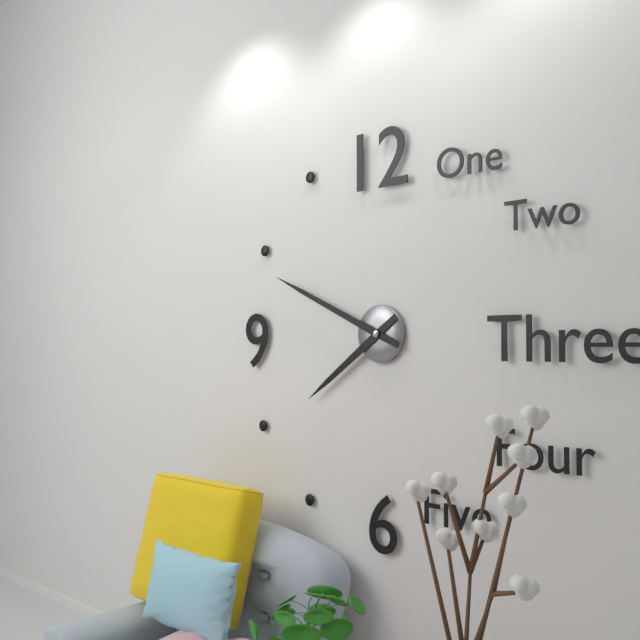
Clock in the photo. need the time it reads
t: 7:49
